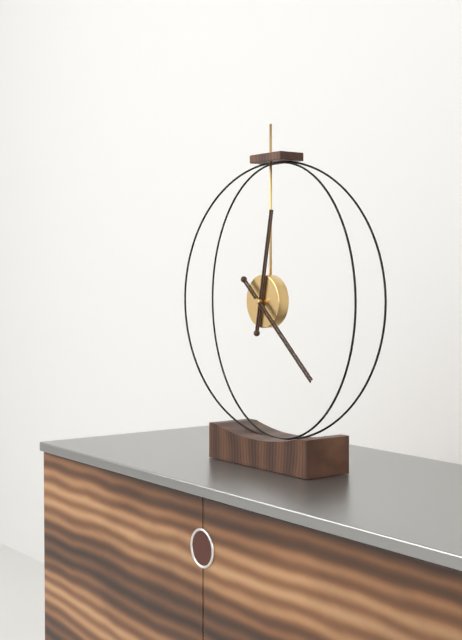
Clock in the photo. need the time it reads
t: 12:22
